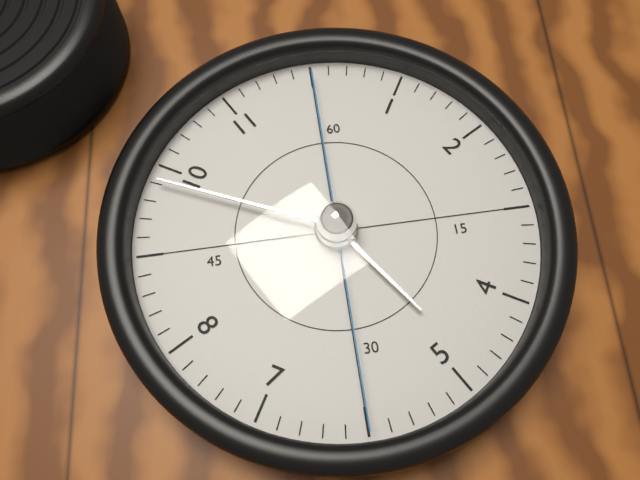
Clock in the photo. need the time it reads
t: 4:49:30
